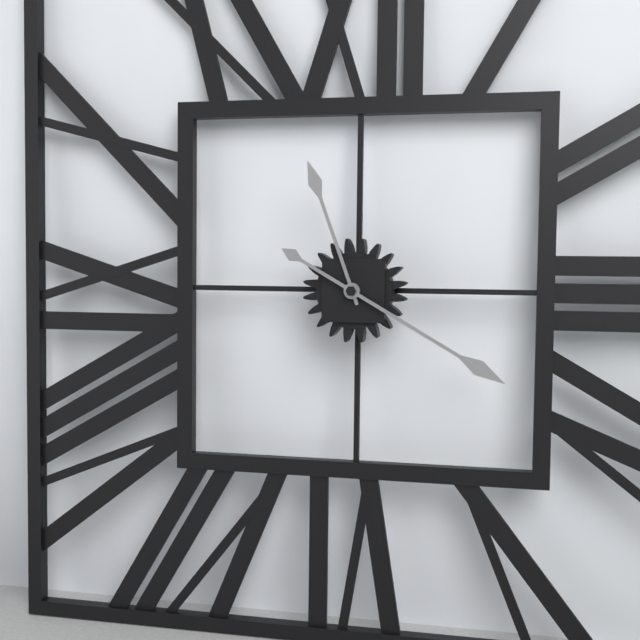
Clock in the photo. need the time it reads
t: 11:20
